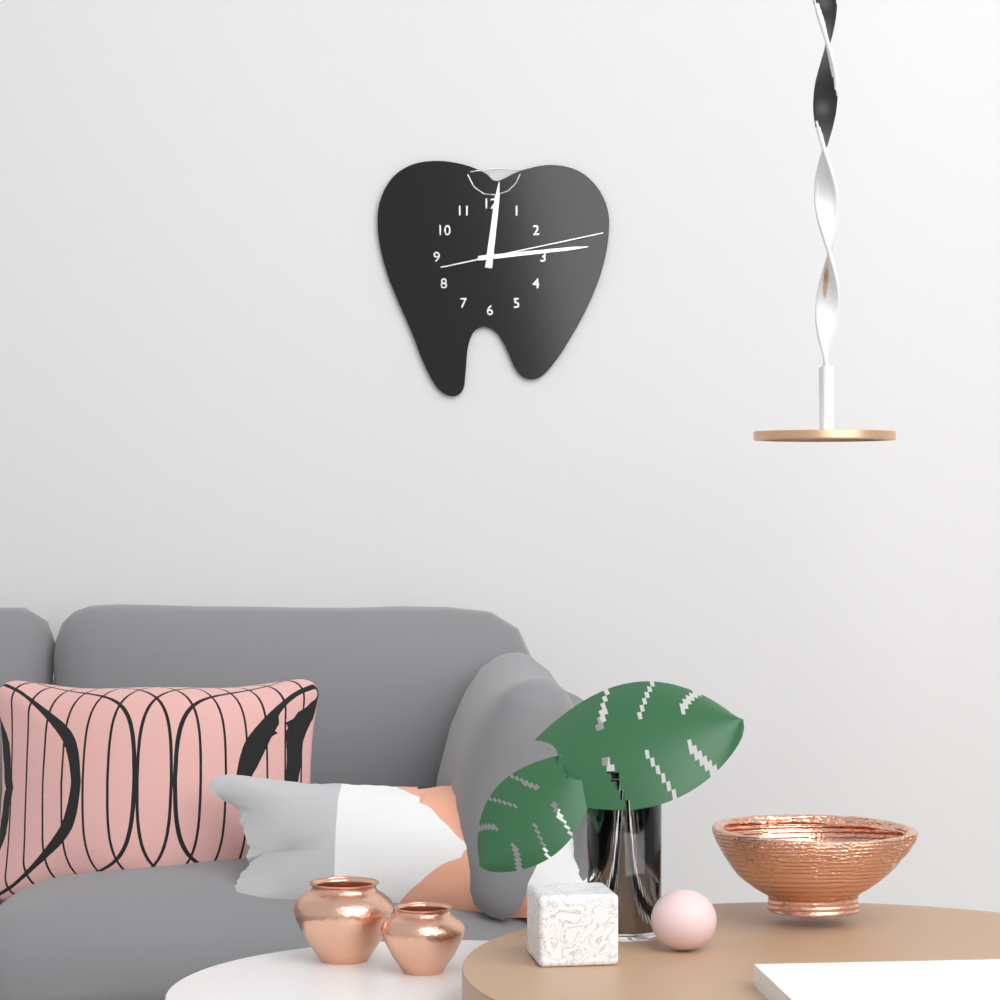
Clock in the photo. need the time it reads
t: 12:14:13
